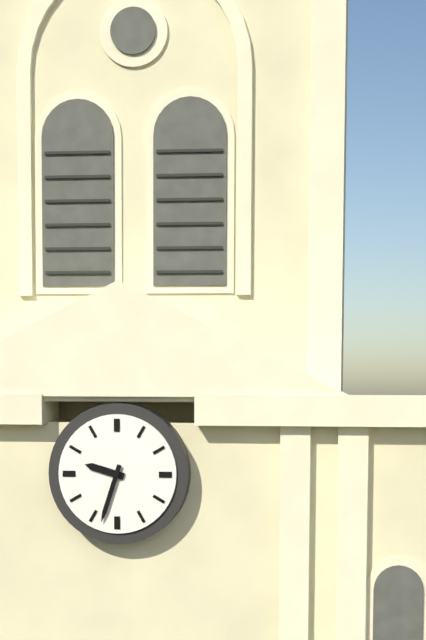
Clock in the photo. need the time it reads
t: 9:33
